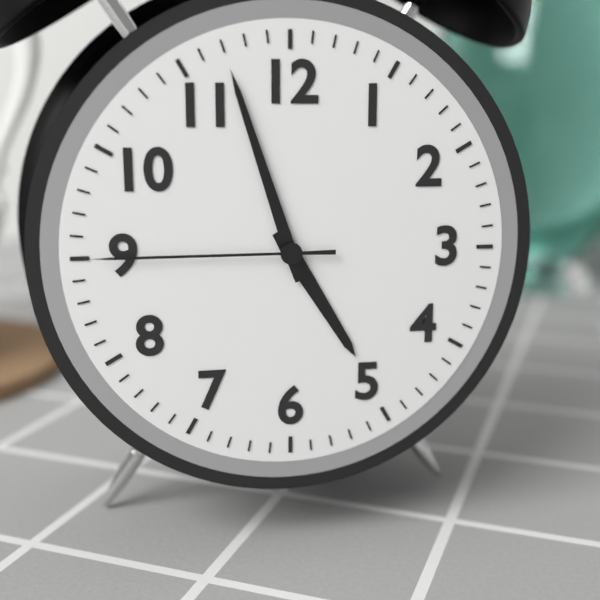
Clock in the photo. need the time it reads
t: 4:57:45
